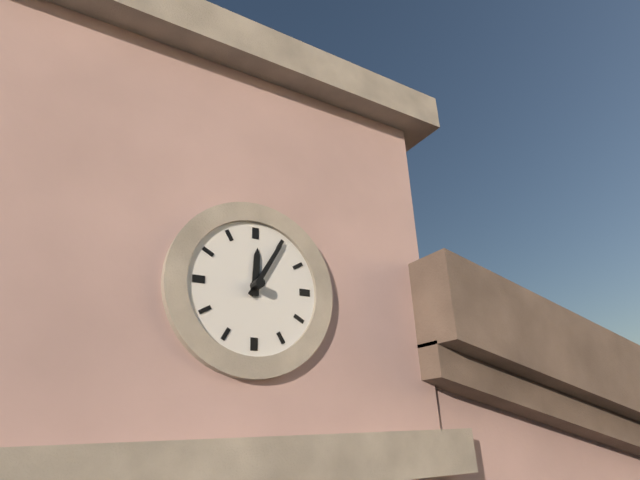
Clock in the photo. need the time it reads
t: 12:05
